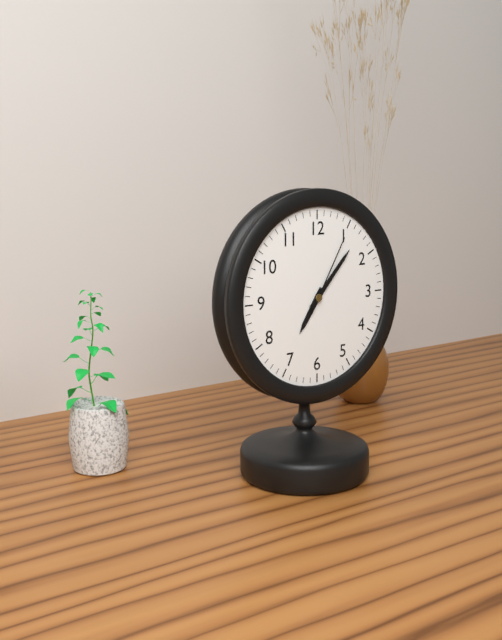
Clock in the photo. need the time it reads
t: 7:07:05
